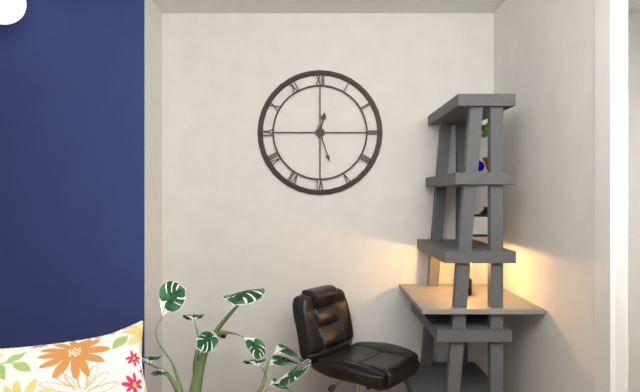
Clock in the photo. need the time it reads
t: 12:27
